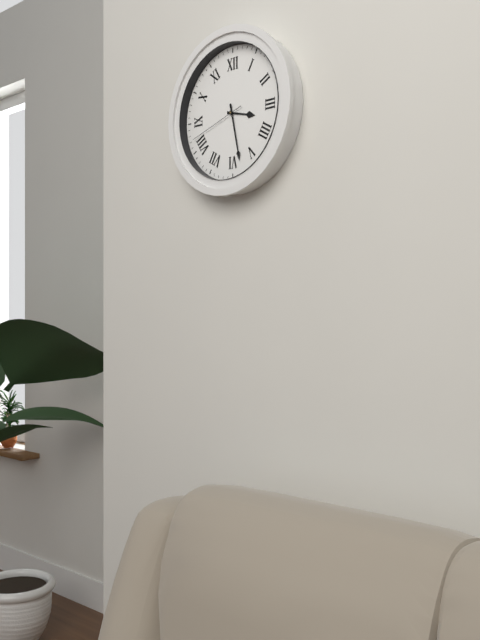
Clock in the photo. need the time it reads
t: 3:28:42
